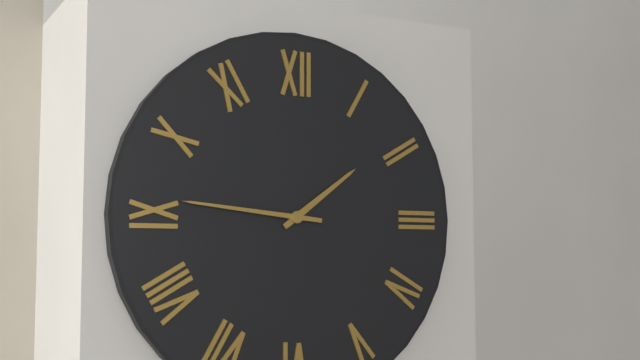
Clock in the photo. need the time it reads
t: 1:46
